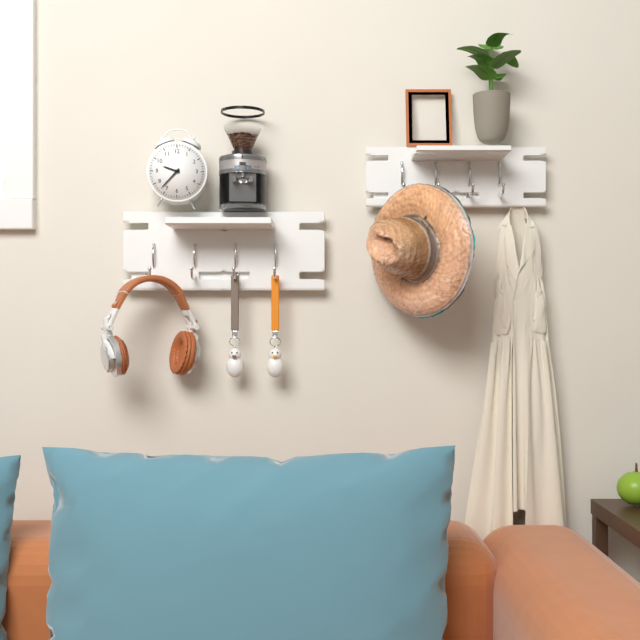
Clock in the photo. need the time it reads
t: 9:37
